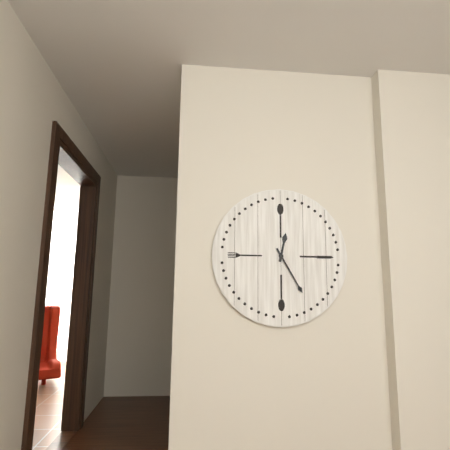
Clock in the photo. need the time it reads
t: 12:25
